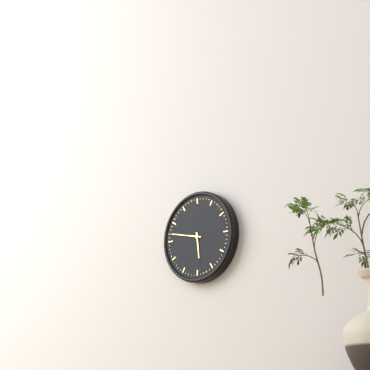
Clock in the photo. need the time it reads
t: 5:47
